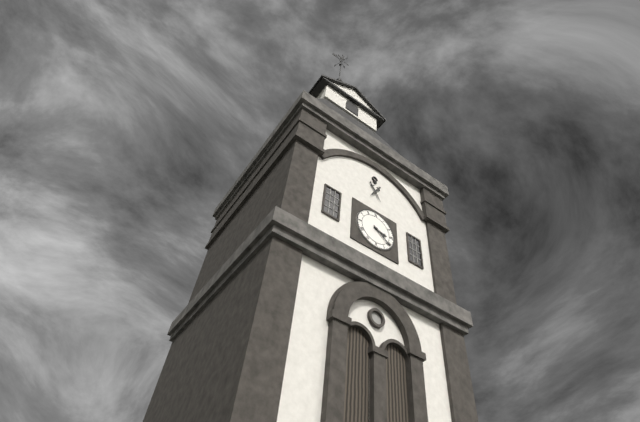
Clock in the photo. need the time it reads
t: 3:21
